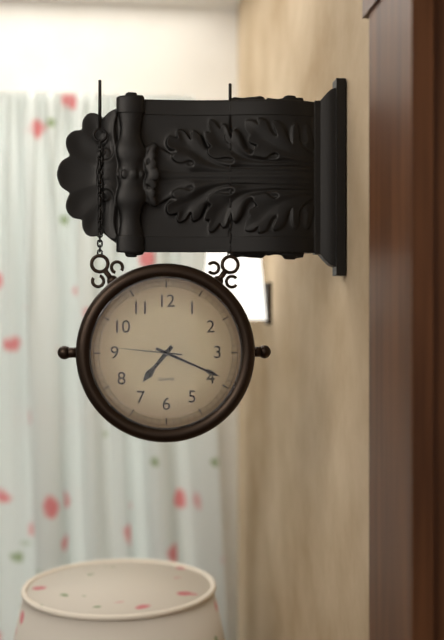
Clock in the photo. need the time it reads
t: 7:19:46
